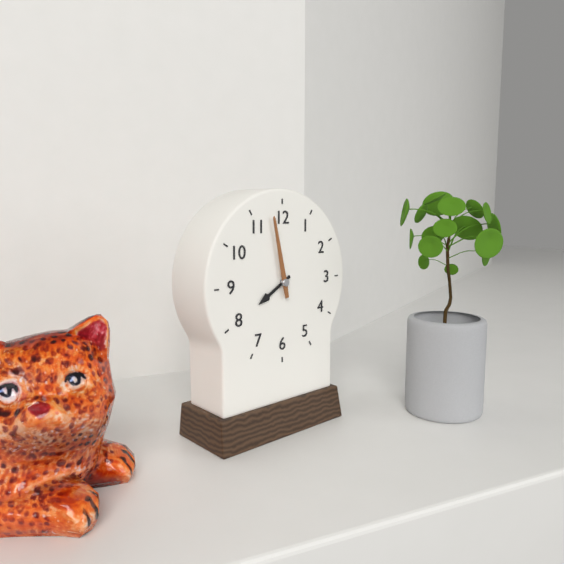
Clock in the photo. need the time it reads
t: 7:58
